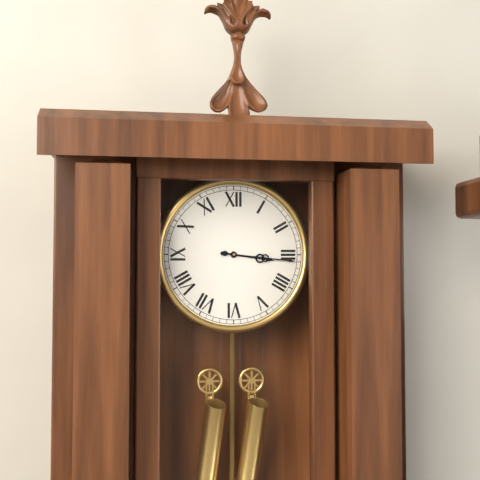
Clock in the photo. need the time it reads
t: 3:16
